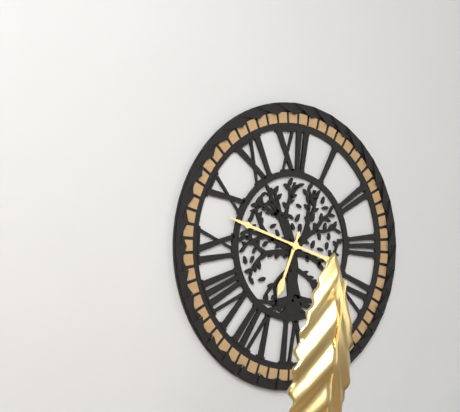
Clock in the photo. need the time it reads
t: 6:48
